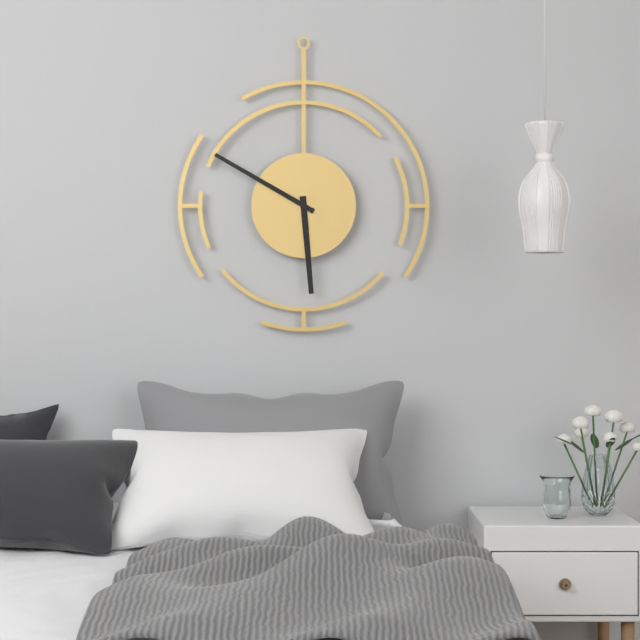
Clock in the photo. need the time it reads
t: 5:50
